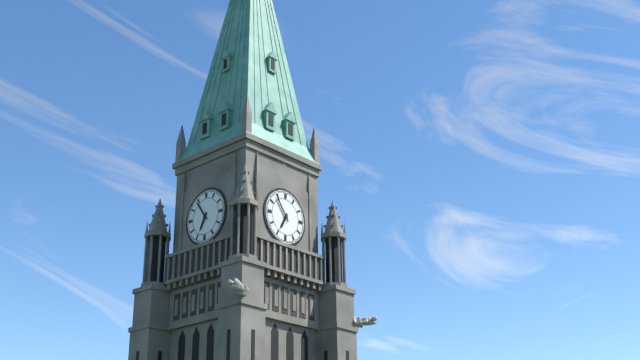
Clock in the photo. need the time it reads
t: 6:54
